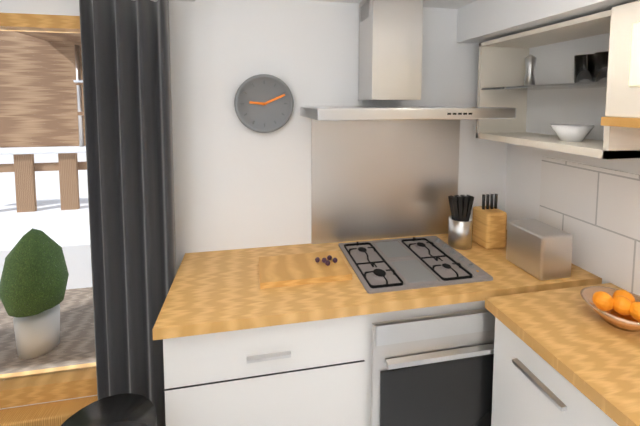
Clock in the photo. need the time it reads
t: 9:11
